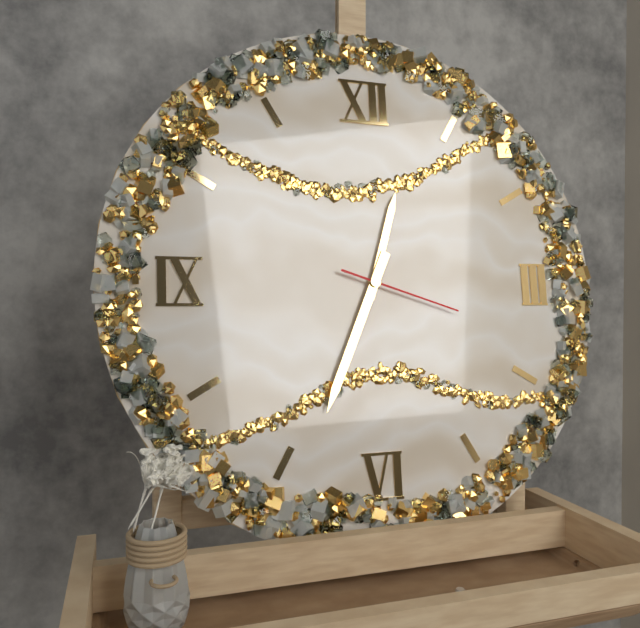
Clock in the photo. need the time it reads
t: 12:34:18
